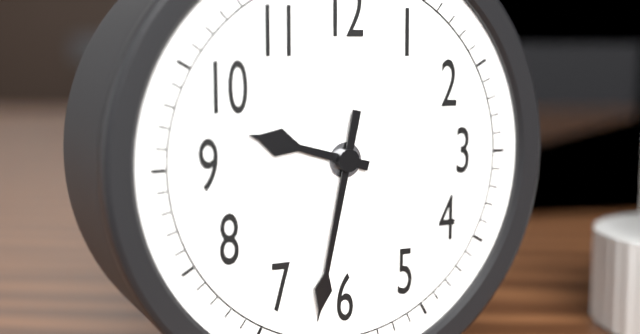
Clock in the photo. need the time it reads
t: 9:32
